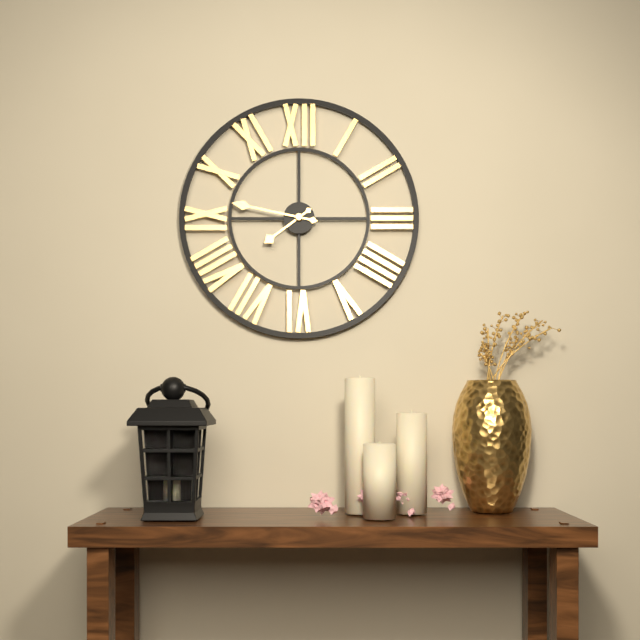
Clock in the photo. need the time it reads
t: 7:47
